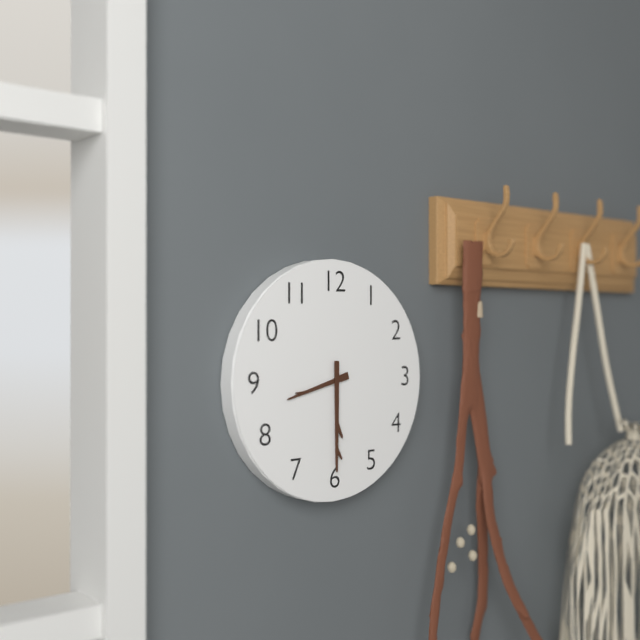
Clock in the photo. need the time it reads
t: 8:30
